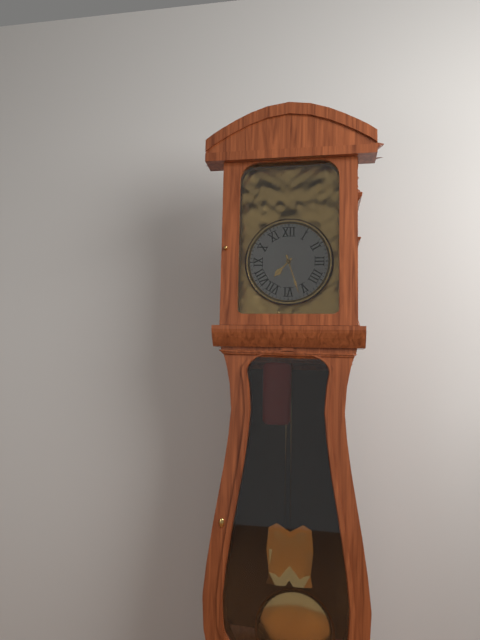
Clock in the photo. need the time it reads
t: 7:27
